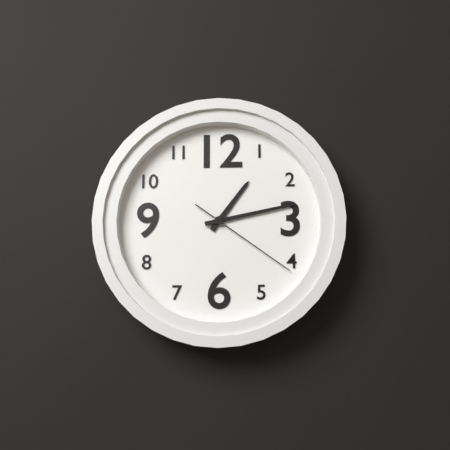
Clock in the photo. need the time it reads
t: 1:13:21
